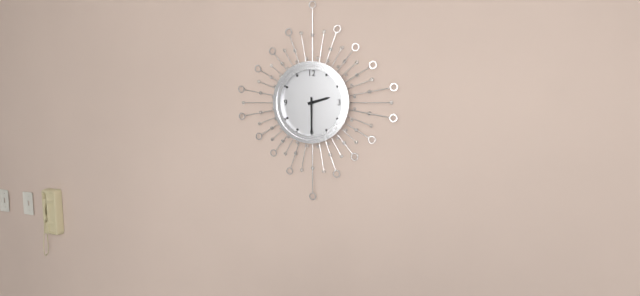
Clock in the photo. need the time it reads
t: 2:30
